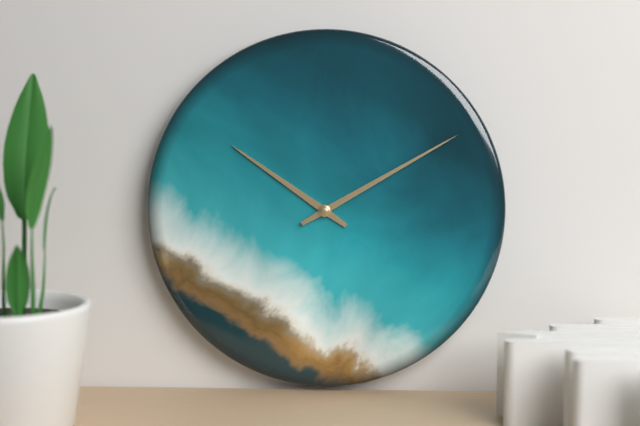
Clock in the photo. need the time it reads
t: 10:10
